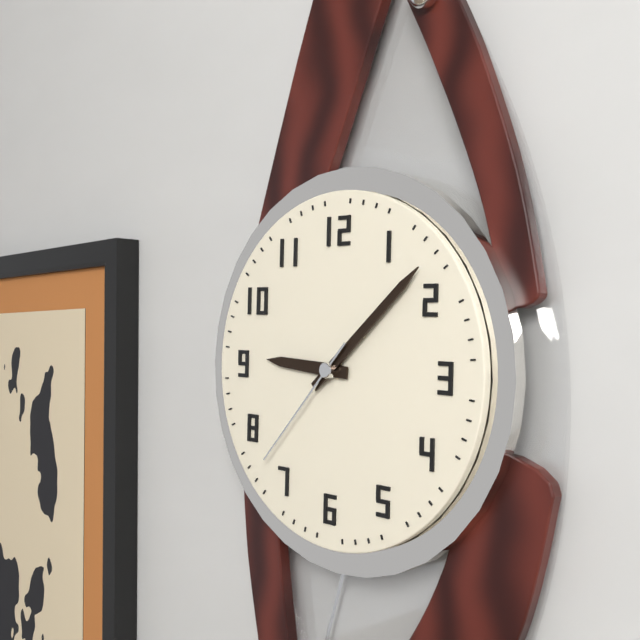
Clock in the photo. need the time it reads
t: 9:08:37
